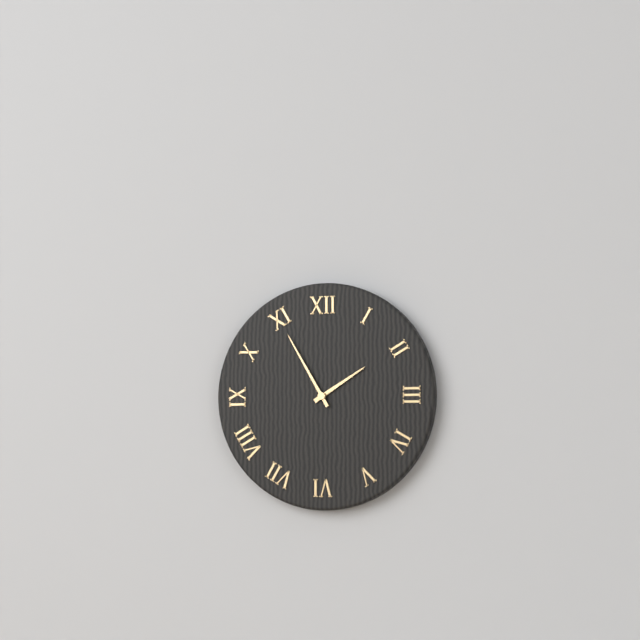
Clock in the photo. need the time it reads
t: 1:55
